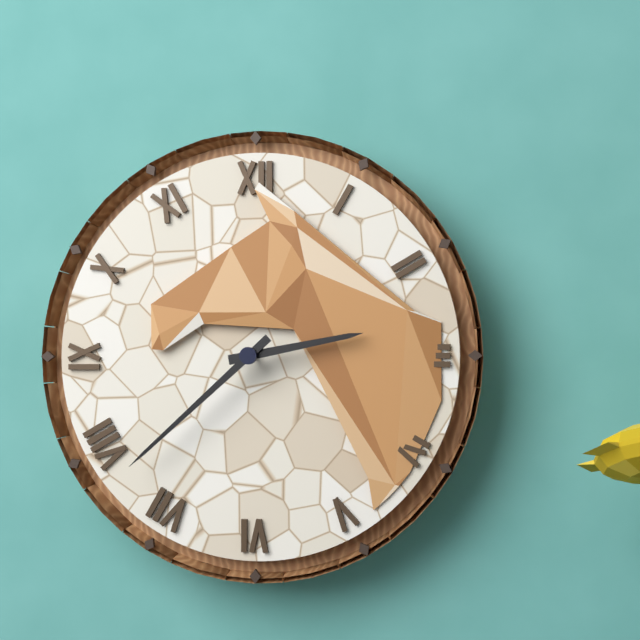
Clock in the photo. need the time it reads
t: 2:38
